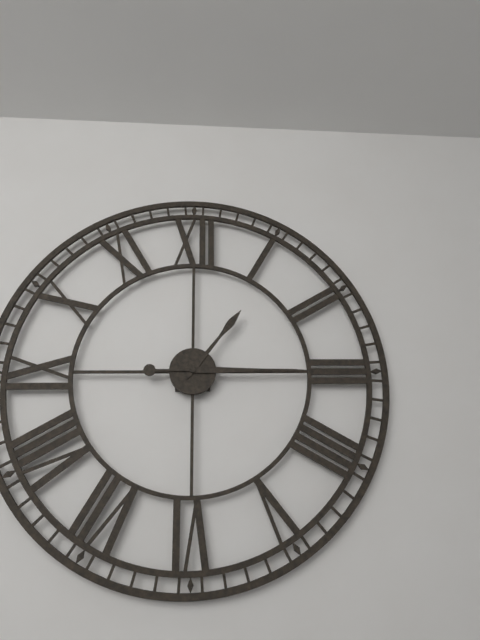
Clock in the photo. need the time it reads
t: 1:15
